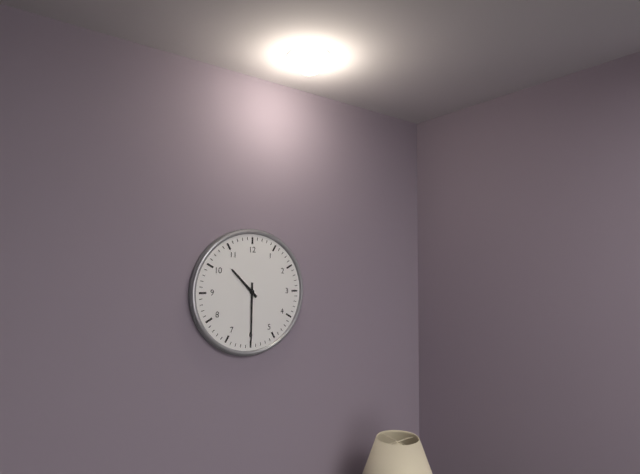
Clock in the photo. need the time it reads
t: 10:30
